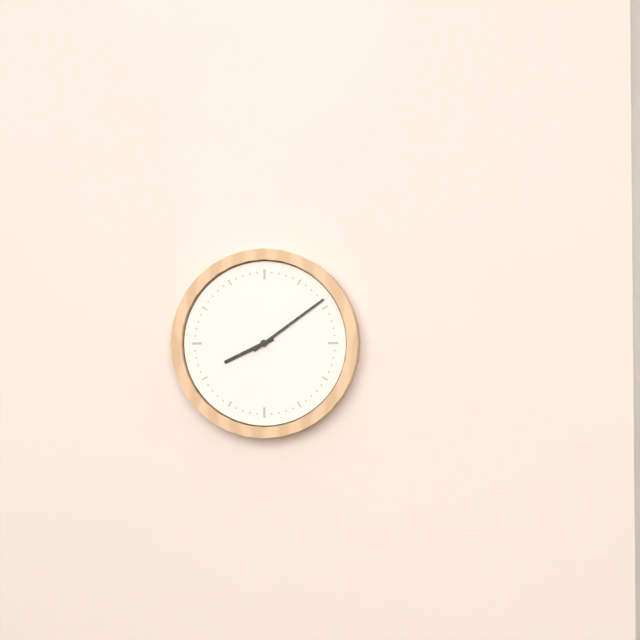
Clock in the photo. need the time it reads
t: 8:09
